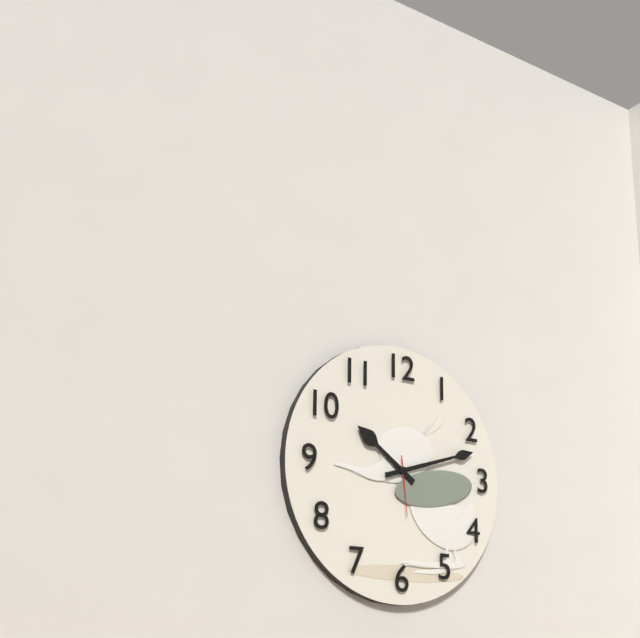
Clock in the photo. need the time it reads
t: 10:12:29
